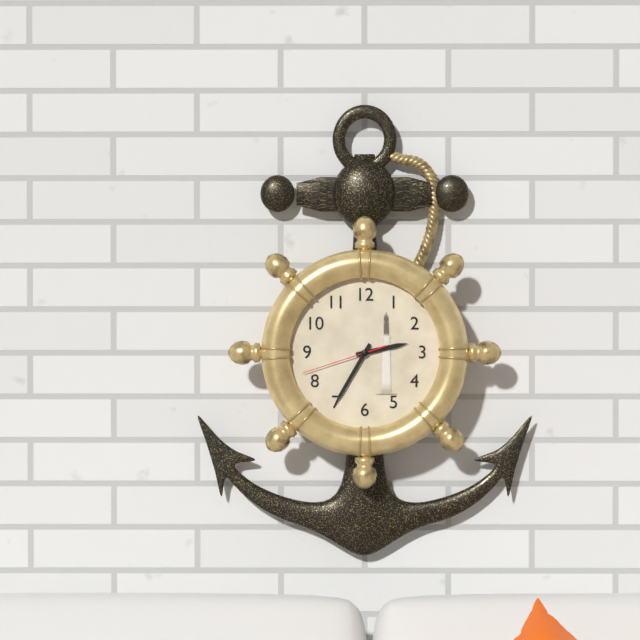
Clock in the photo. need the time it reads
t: 2:35:42
